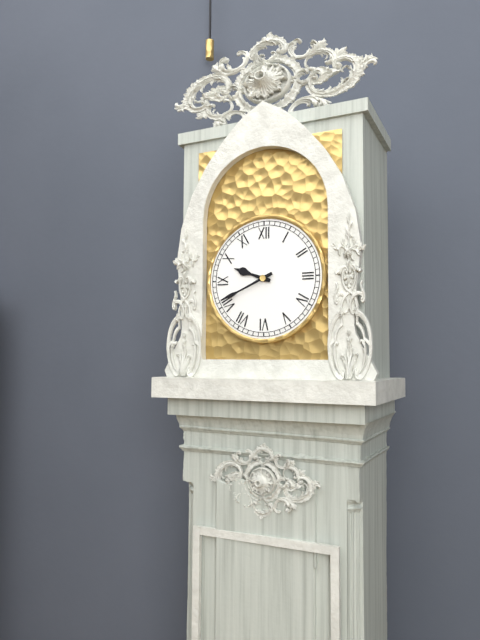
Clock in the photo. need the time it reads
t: 9:41
